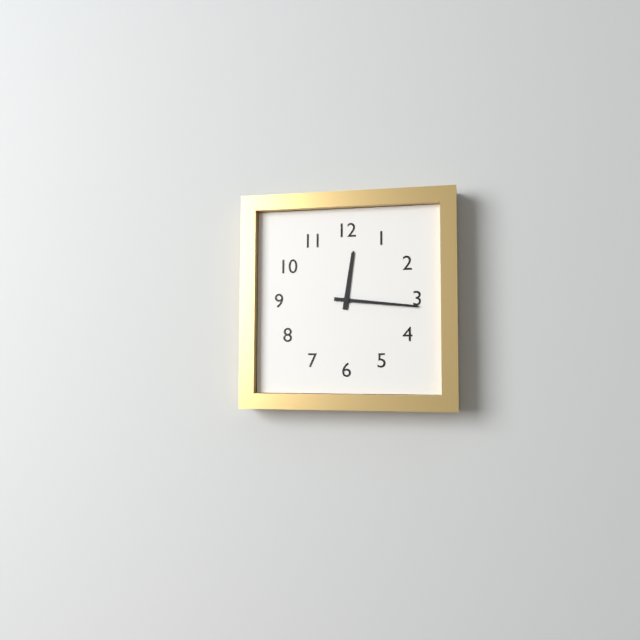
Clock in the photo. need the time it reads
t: 12:16
